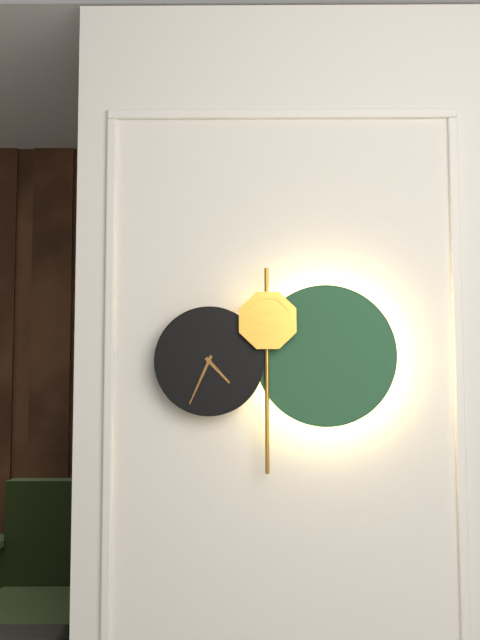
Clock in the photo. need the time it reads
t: 4:34
